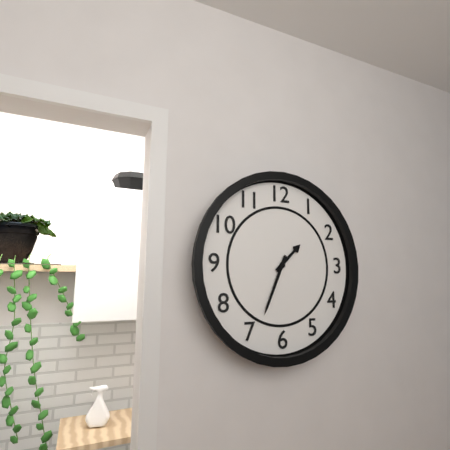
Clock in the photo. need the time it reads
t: 1:34
